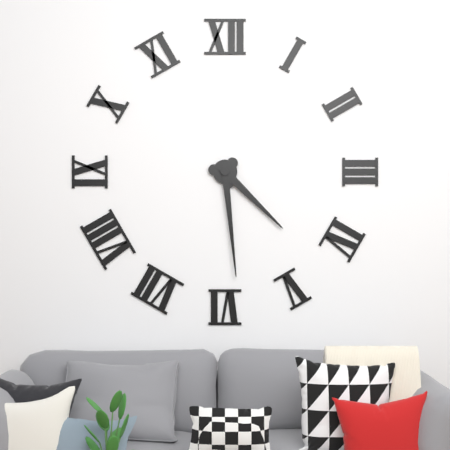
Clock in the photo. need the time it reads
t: 4:29
